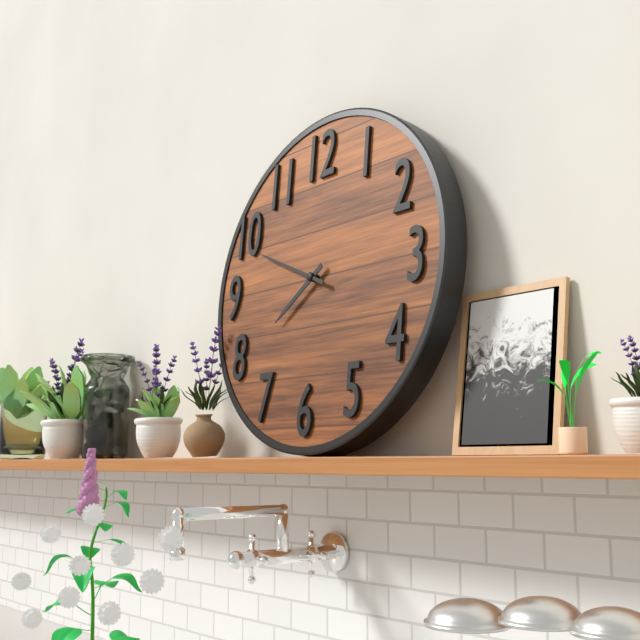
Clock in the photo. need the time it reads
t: 7:49
